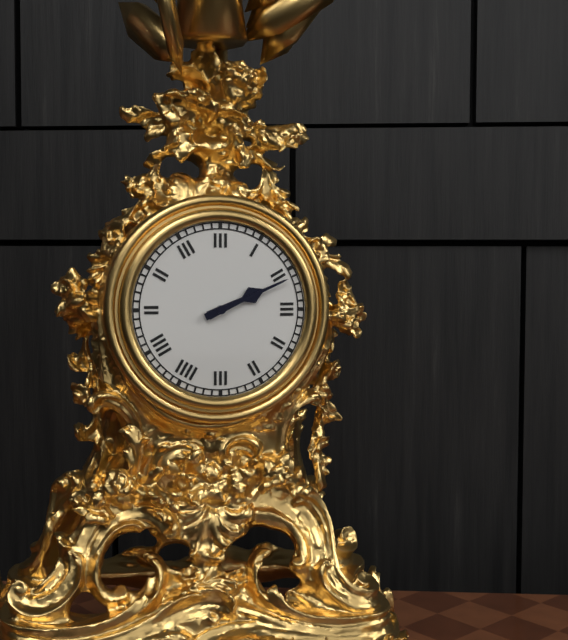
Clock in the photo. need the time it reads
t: 2:11
